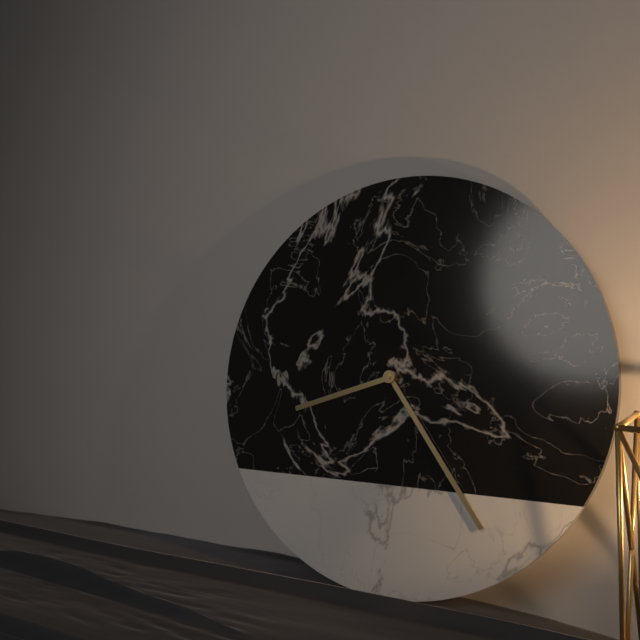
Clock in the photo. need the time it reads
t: 8:24
